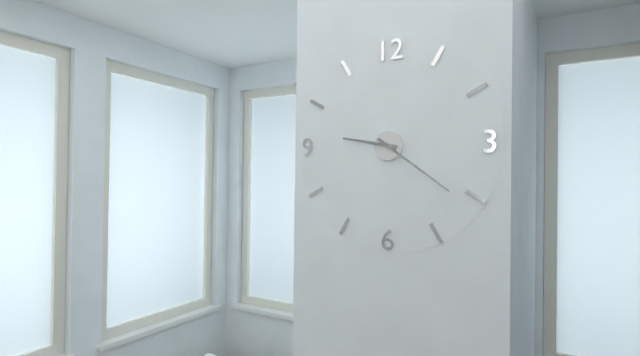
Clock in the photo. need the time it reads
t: 9:21
